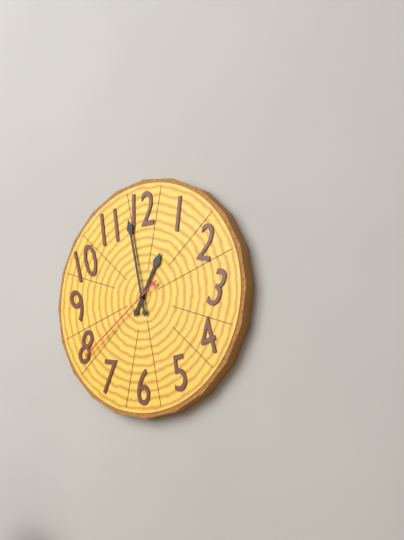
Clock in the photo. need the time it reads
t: 12:58:39
